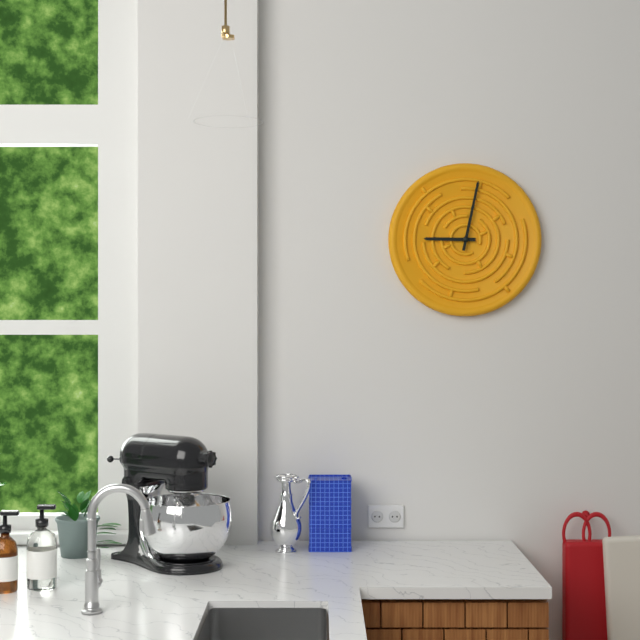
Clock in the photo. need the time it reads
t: 9:02
